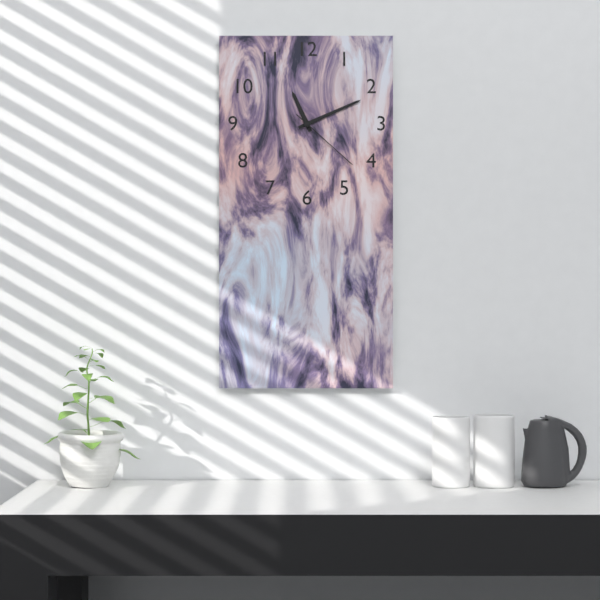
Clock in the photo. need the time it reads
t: 11:11:22
